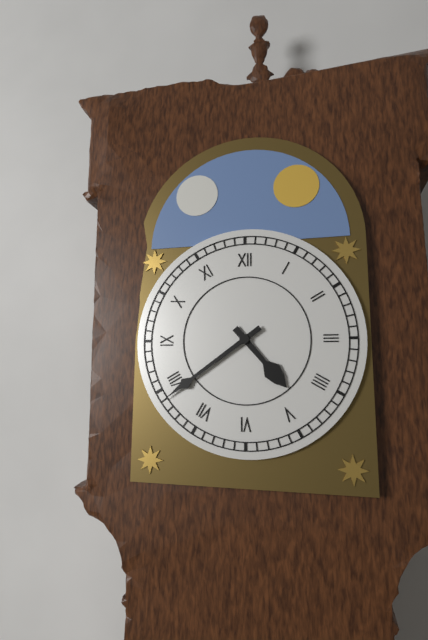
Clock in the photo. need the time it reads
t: 4:39
